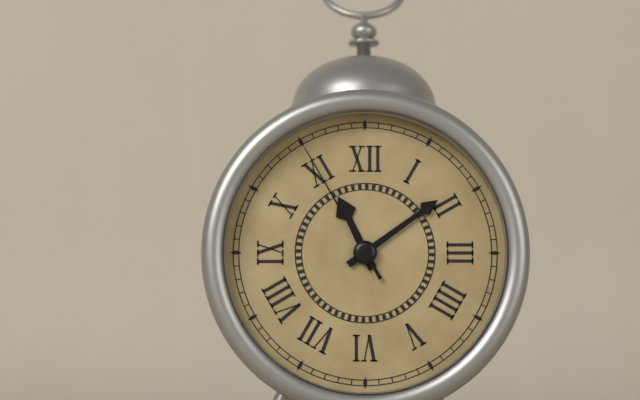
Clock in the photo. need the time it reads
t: 11:09:55
